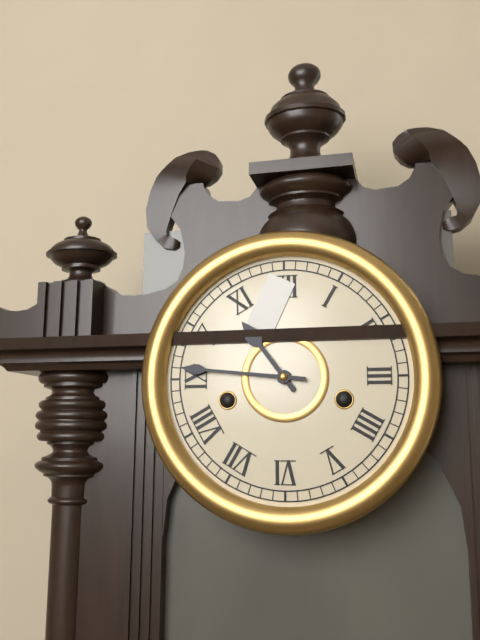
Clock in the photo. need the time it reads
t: 10:46
